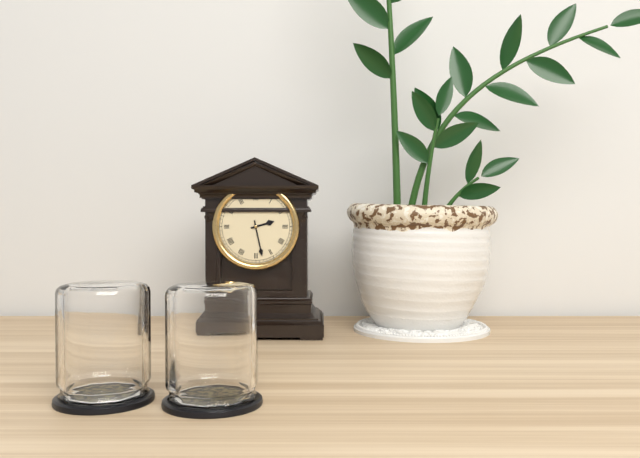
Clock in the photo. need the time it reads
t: 2:28
